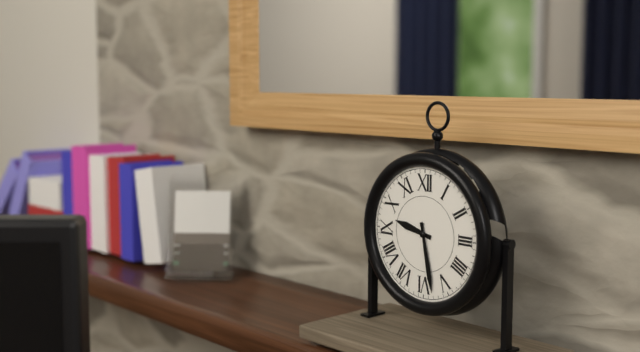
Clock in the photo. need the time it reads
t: 9:28
